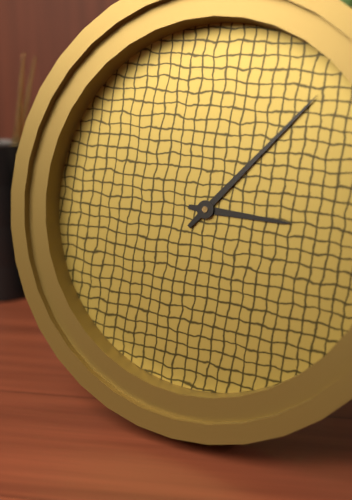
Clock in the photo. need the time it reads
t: 3:07
